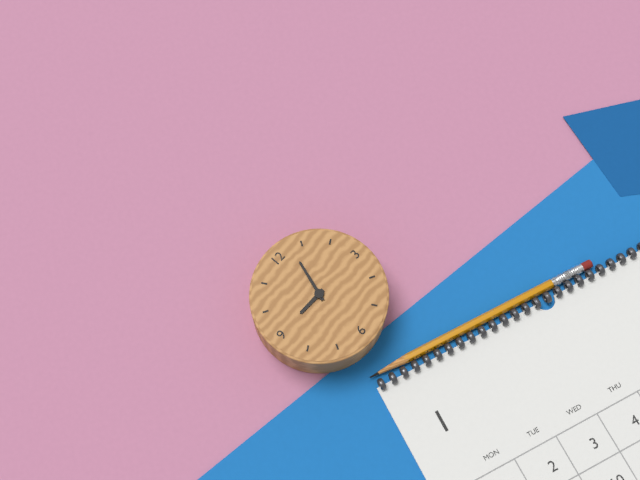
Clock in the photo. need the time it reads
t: 9:03
